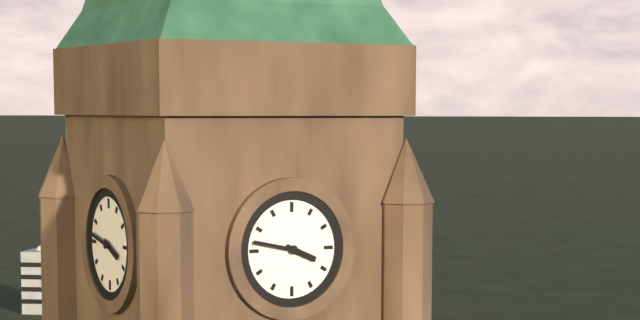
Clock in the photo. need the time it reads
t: 3:47
